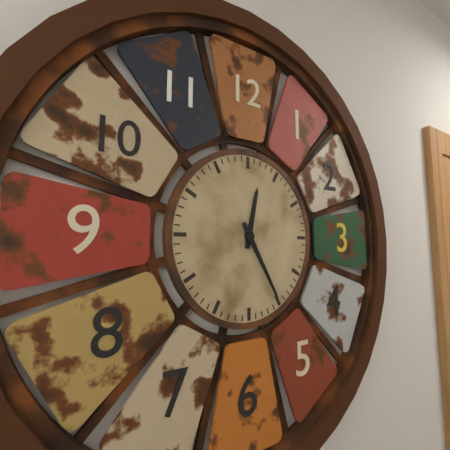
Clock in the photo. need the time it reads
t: 12:25
